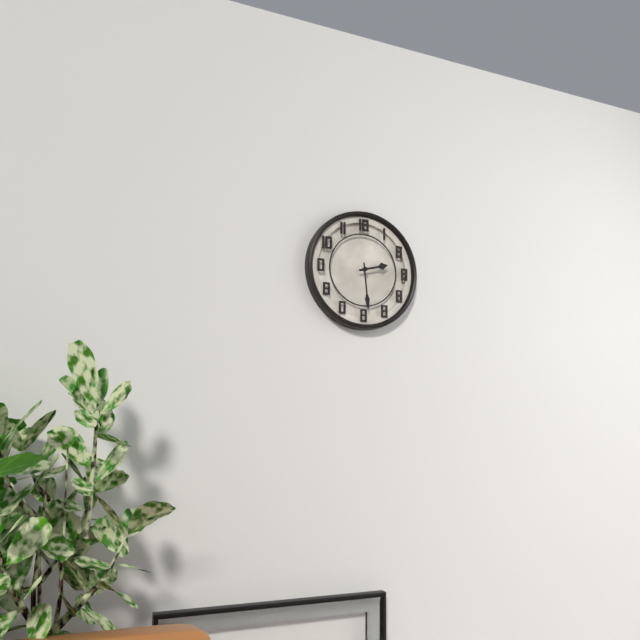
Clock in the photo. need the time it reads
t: 2:29
